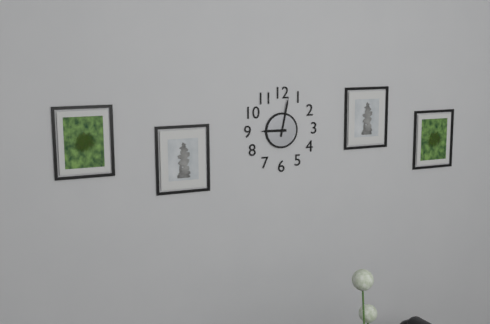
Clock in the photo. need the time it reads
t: 9:02
